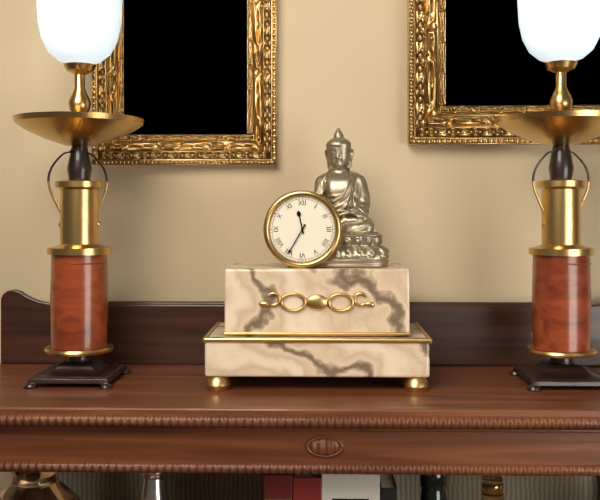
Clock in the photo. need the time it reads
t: 11:35
